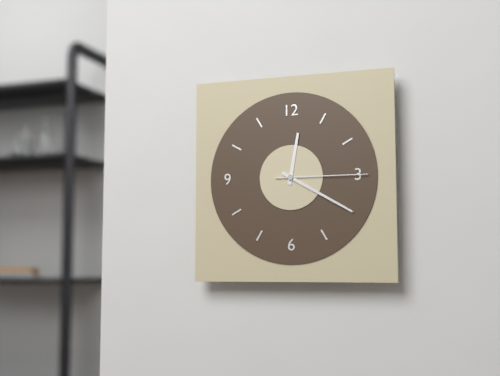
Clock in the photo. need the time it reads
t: 12:20:15
